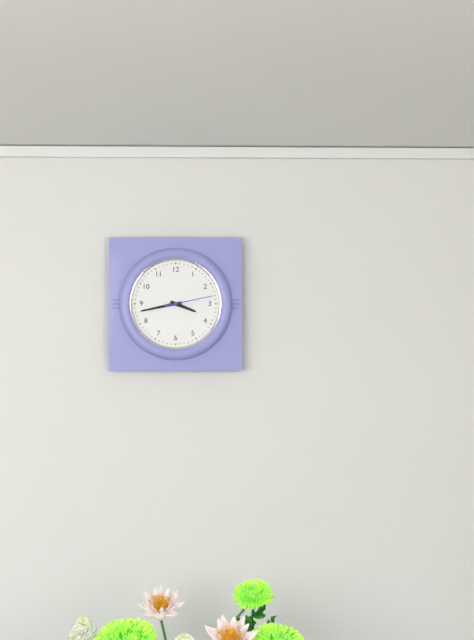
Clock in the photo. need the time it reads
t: 3:43
